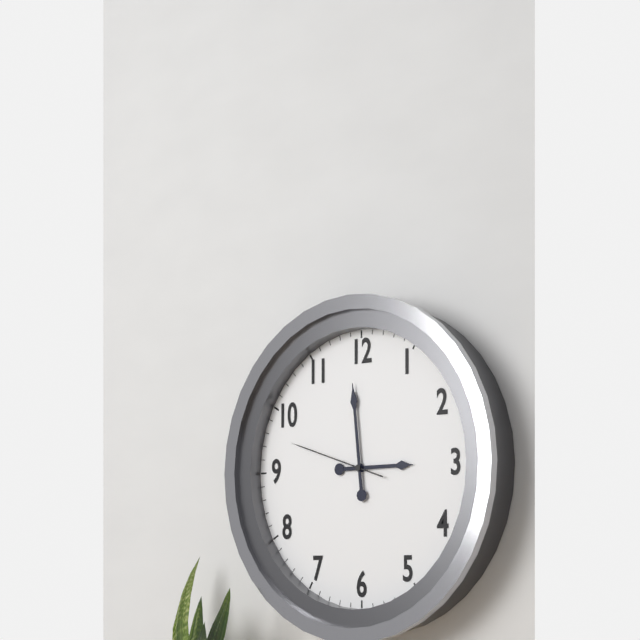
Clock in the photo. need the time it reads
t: 2:59:48
